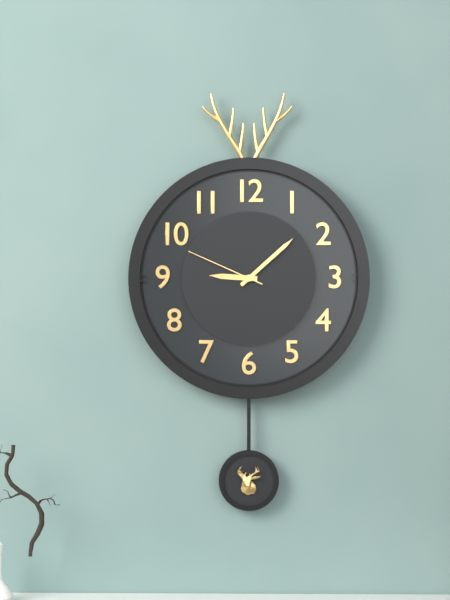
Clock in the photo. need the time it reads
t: 9:08:49
